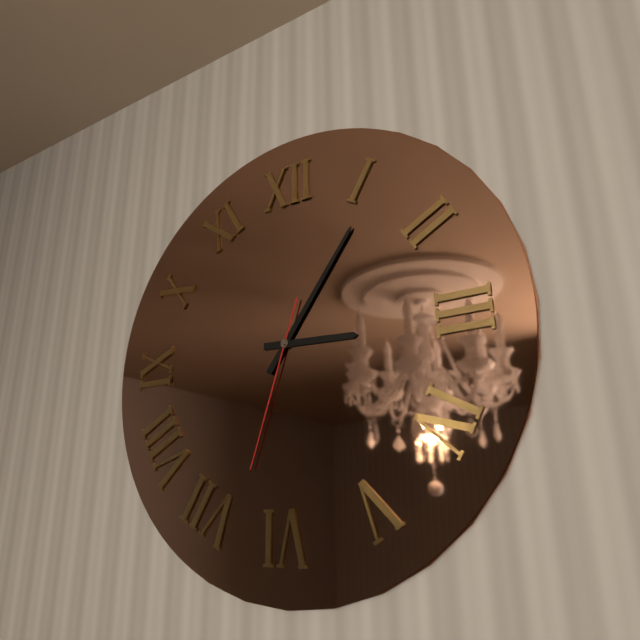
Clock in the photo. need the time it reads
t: 3:06:33
